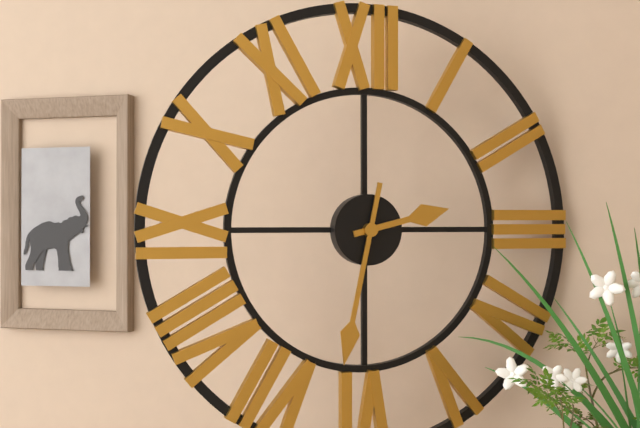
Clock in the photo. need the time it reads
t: 2:32
